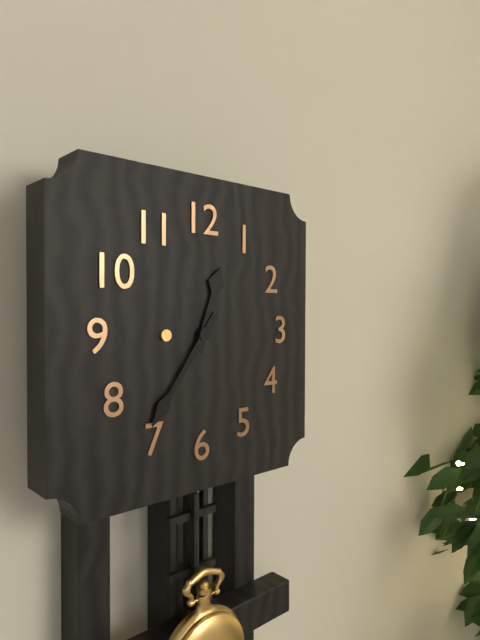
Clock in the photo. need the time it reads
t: 12:36
